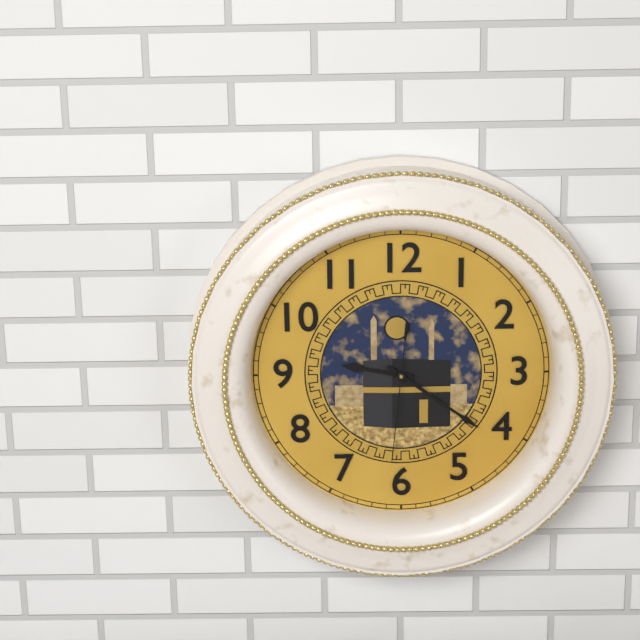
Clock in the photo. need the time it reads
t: 9:21:31
